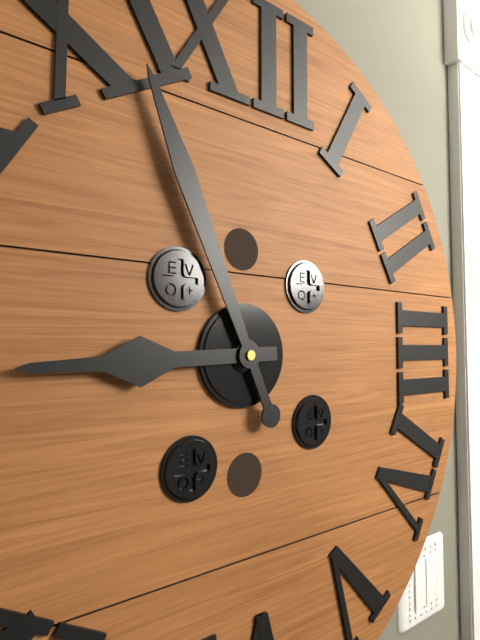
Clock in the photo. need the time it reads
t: 8:56
